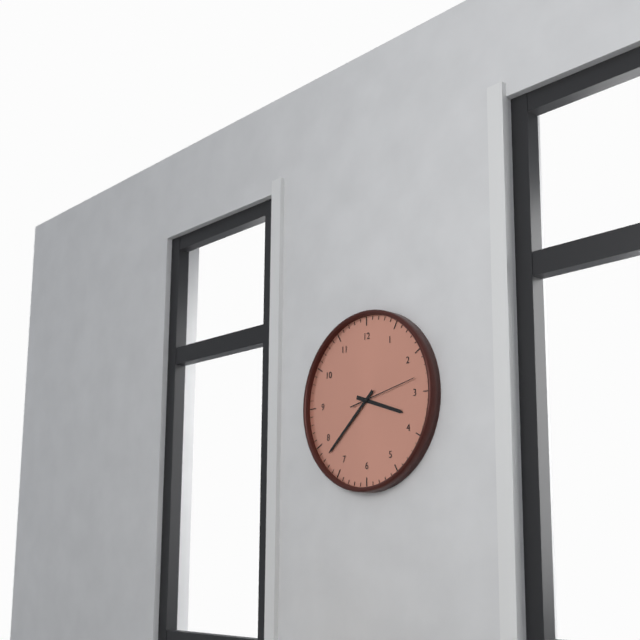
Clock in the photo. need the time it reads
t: 3:38:13
